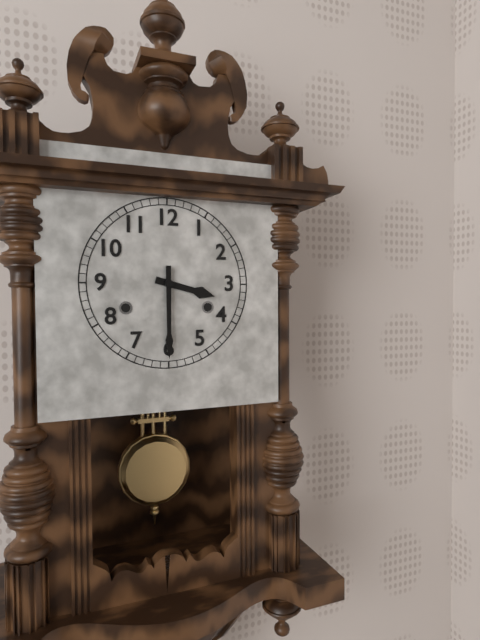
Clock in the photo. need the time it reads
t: 3:30
